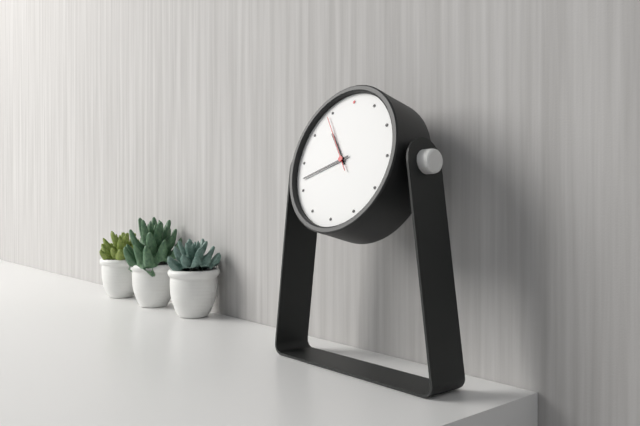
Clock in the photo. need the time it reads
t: 10:42:54
